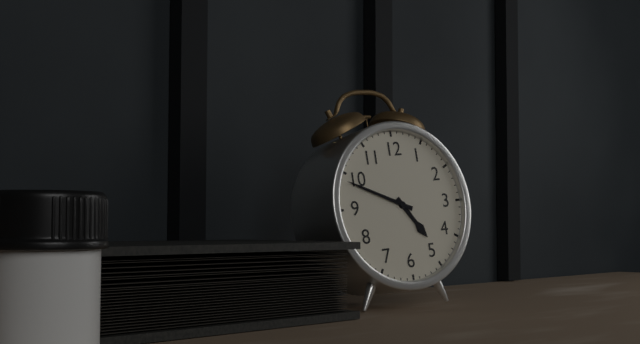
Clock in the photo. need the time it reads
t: 4:49
